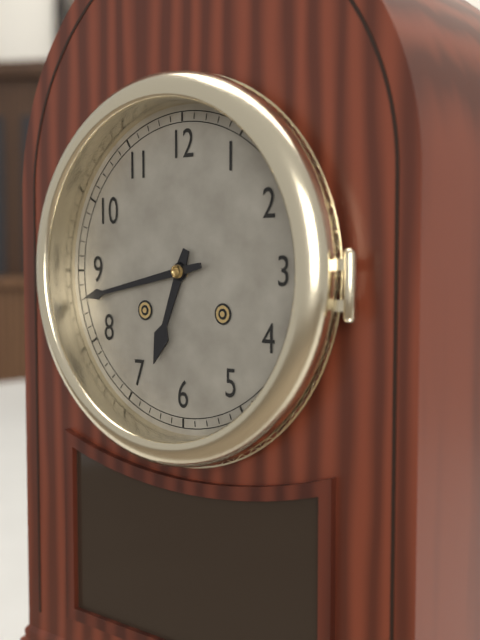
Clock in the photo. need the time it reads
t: 6:43
